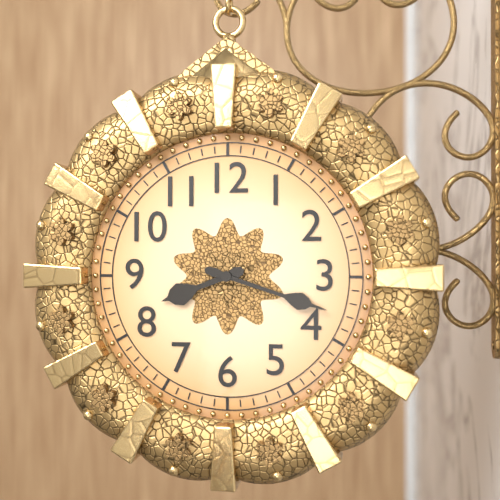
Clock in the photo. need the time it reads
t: 8:18
